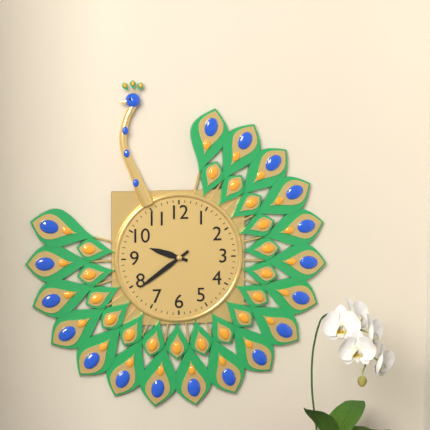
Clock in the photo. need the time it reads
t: 9:39
